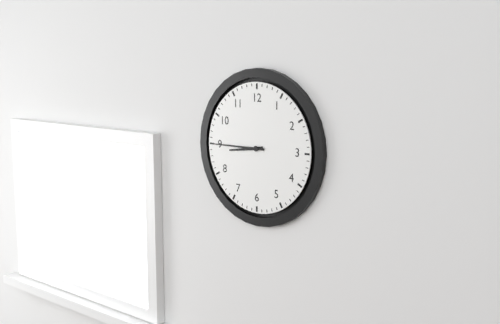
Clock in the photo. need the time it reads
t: 8:45
